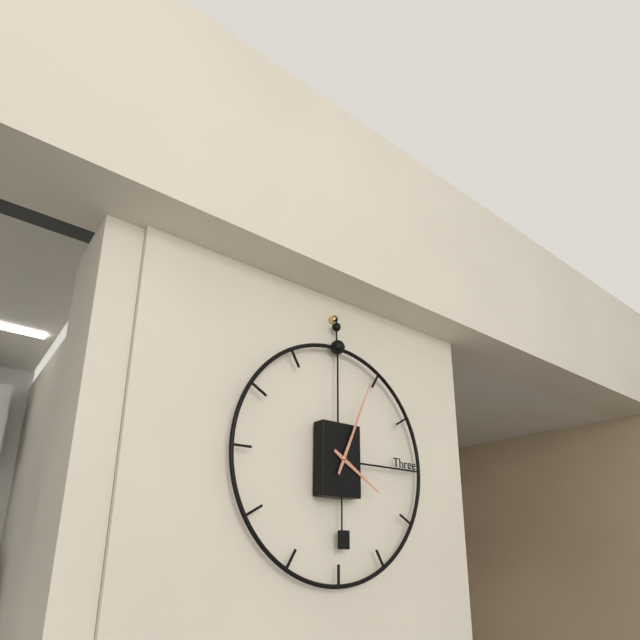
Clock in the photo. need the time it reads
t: 4:04
